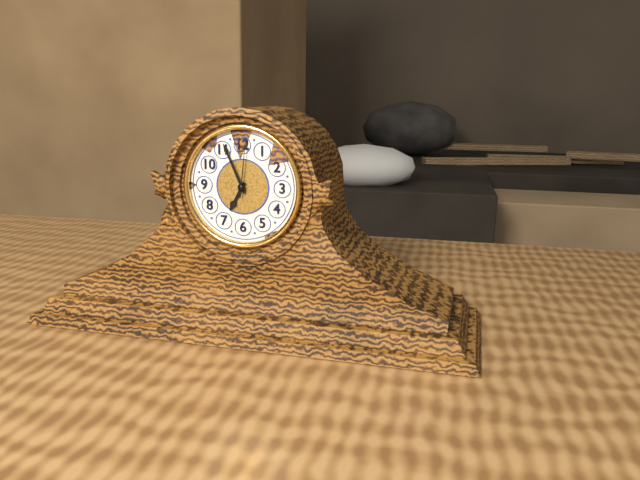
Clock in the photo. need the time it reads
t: 6:56:01
